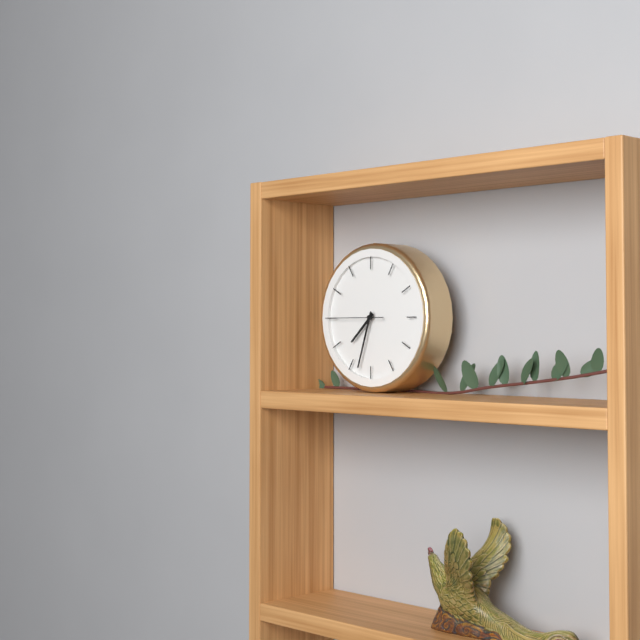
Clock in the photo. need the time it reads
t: 7:33:45
